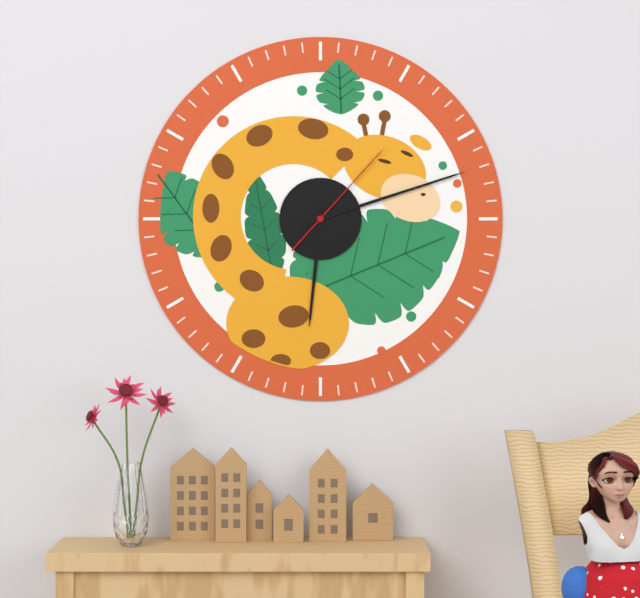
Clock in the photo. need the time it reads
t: 6:12:07
